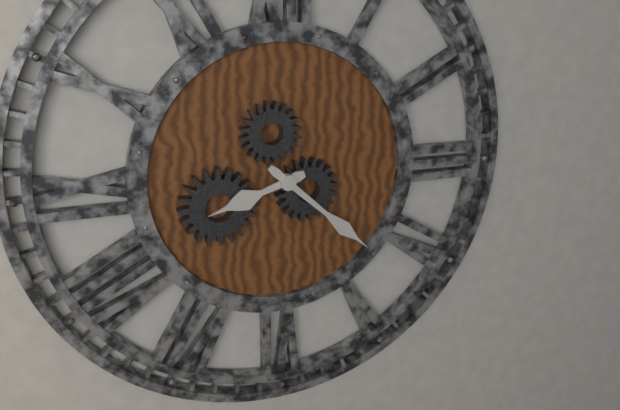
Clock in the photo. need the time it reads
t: 8:22
